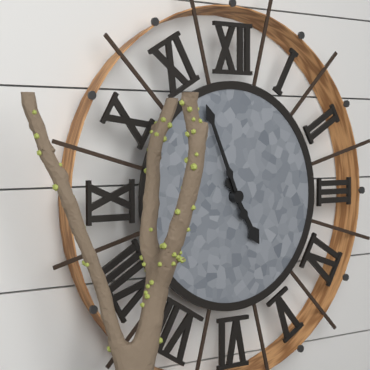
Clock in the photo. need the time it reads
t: 4:56
